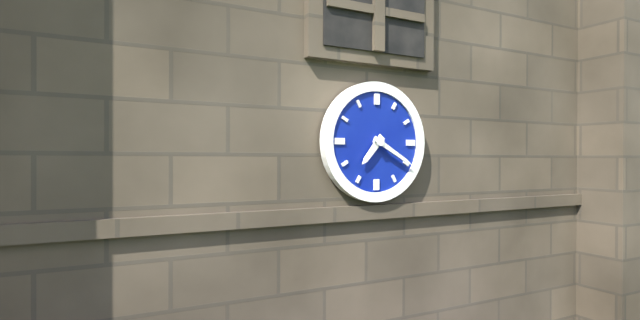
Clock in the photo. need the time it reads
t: 7:20
